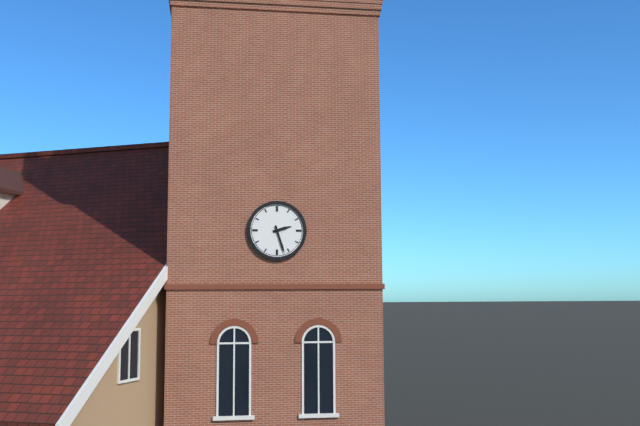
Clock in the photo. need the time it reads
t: 2:27
